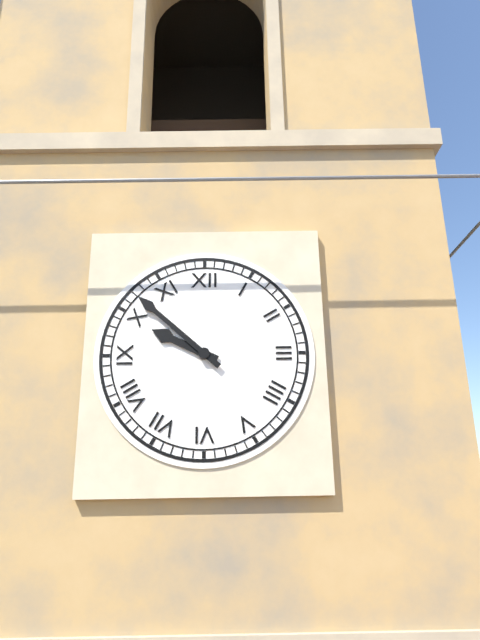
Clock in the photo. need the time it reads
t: 9:52
